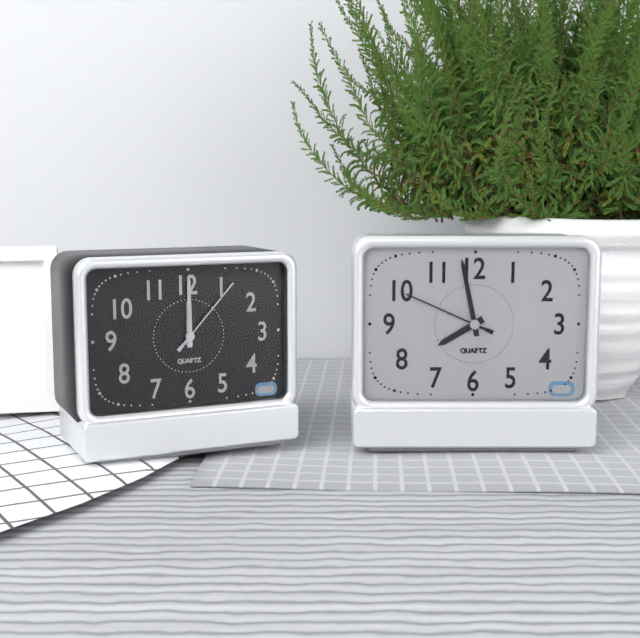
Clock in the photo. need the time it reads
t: 7:58:49
